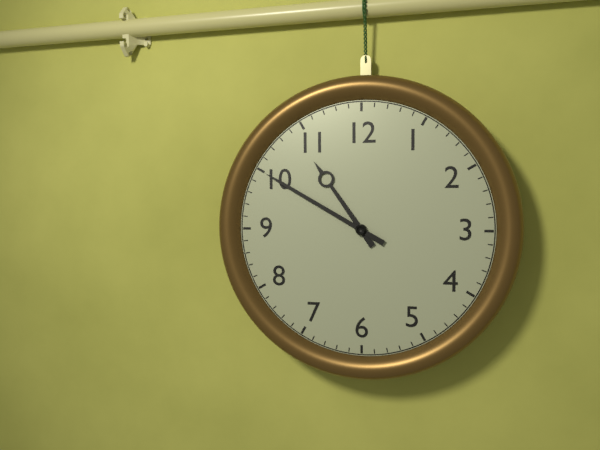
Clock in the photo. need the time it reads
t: 10:50
